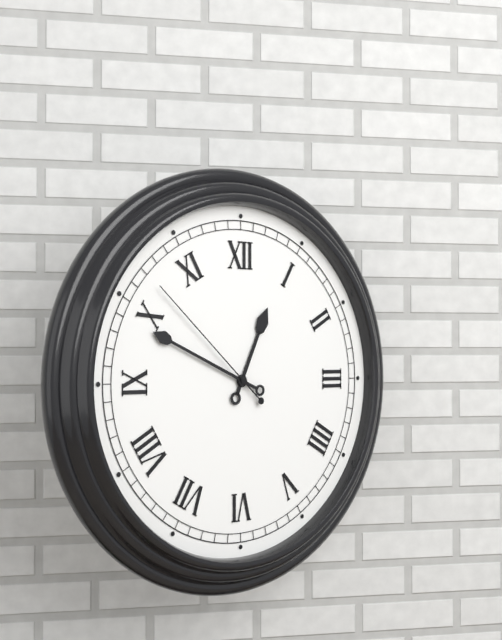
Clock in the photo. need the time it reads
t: 12:49:52
